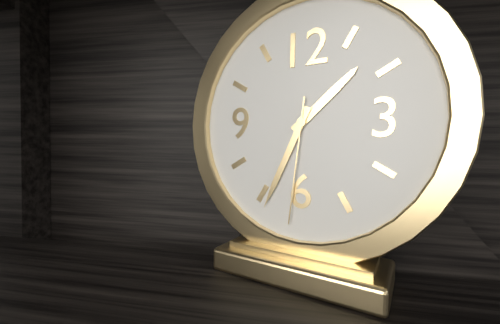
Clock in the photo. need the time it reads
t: 1:34:31
